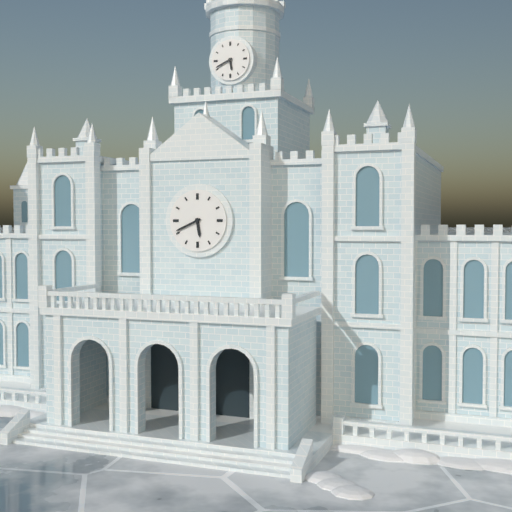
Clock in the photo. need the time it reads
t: 5:41
